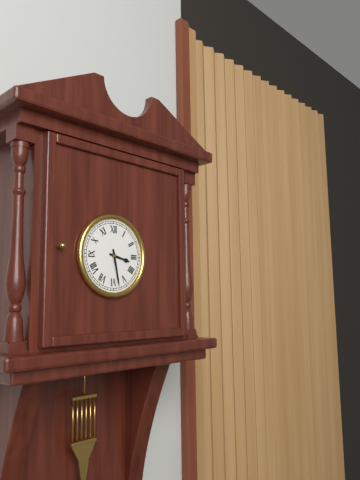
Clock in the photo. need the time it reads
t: 3:28
